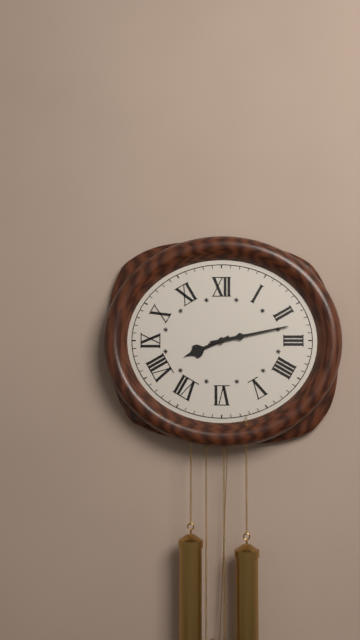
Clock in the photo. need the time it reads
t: 8:13
